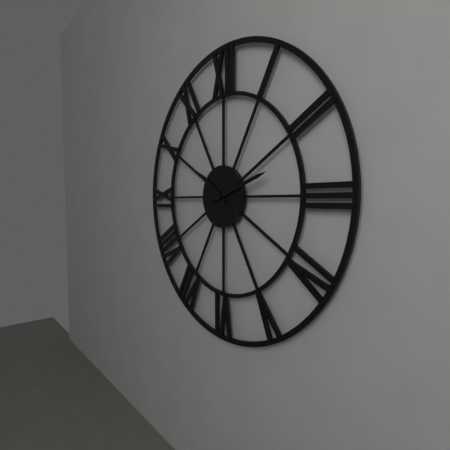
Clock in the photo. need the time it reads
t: 10:12
